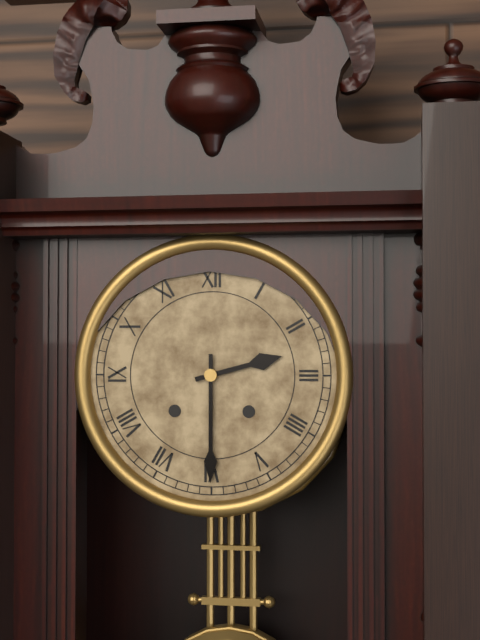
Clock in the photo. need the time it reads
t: 2:30
